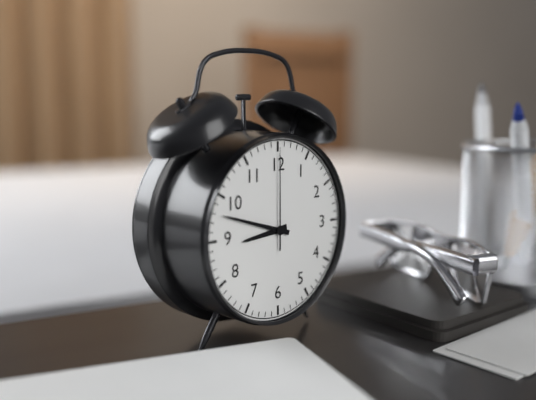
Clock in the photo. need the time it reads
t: 8:48:00
